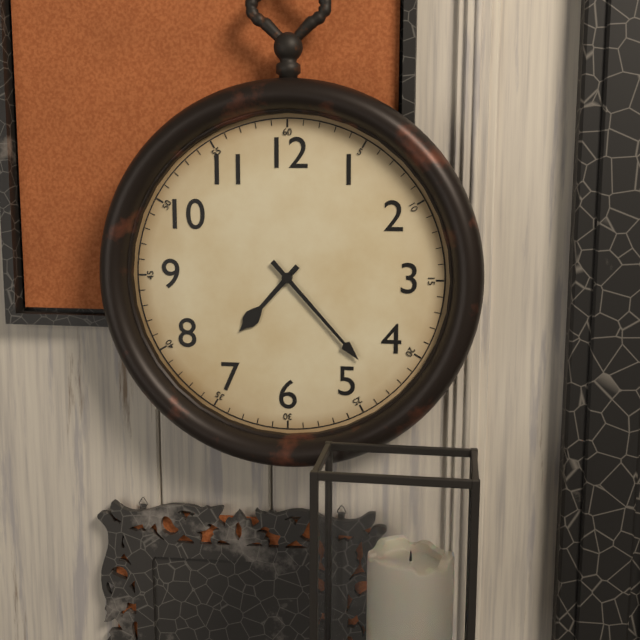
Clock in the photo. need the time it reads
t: 7:23
